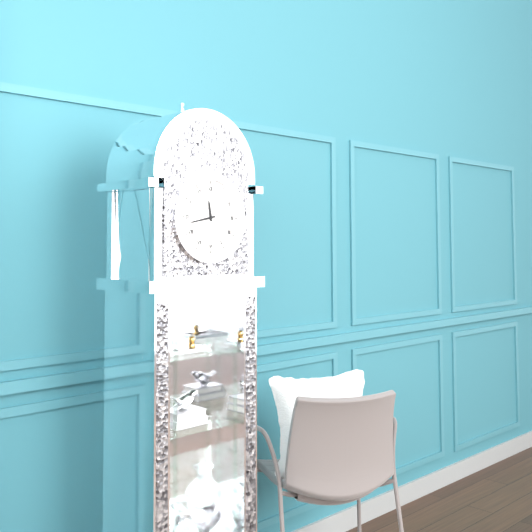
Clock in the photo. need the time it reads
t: 11:43
